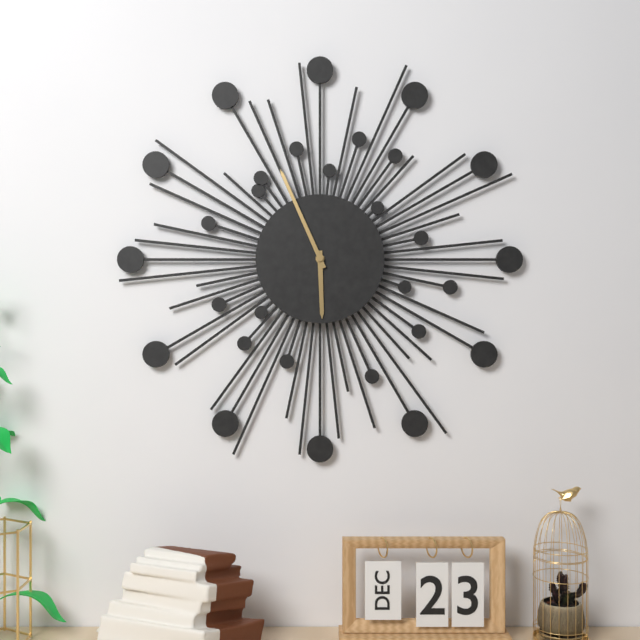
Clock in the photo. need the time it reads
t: 5:56
